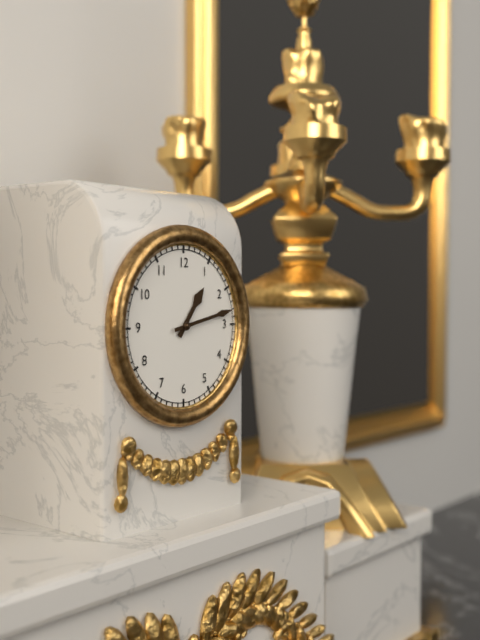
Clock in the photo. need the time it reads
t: 1:13
